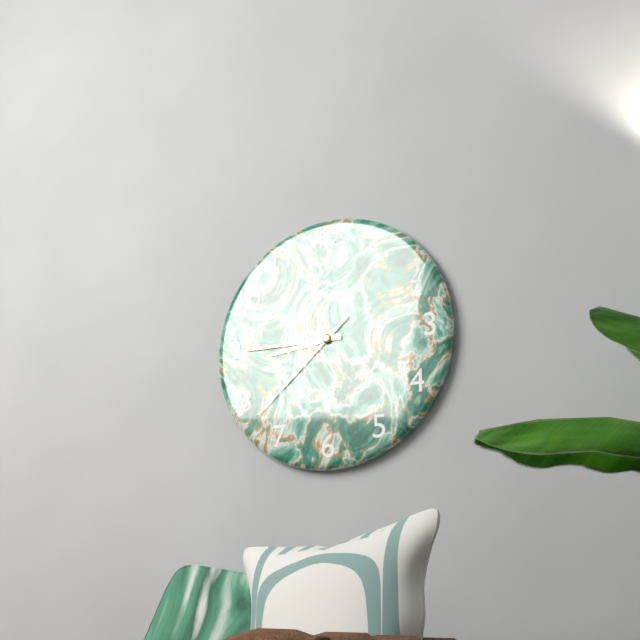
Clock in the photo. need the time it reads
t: 8:45:38
